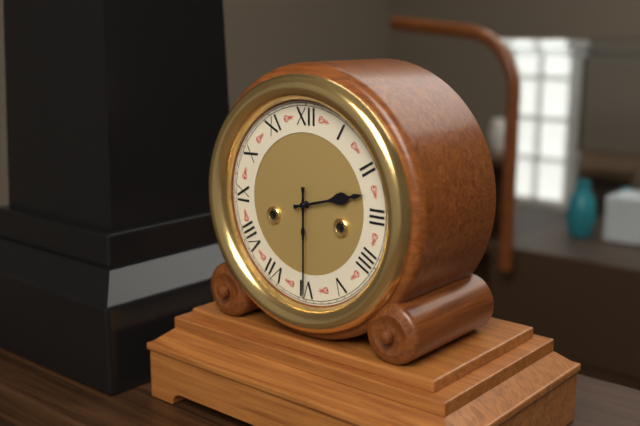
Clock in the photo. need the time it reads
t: 2:30
